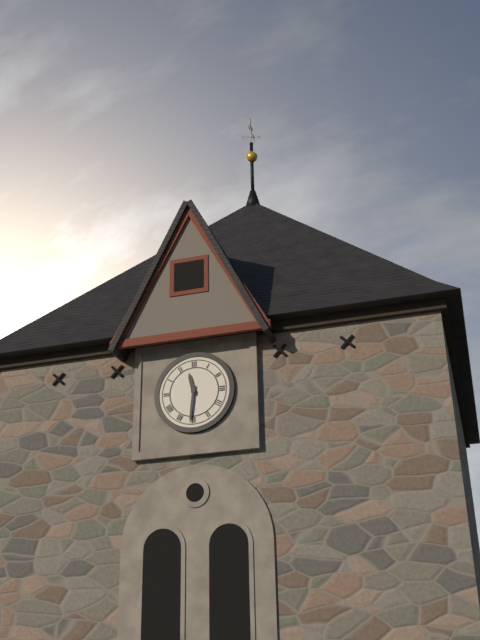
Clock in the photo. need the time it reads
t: 11:31
